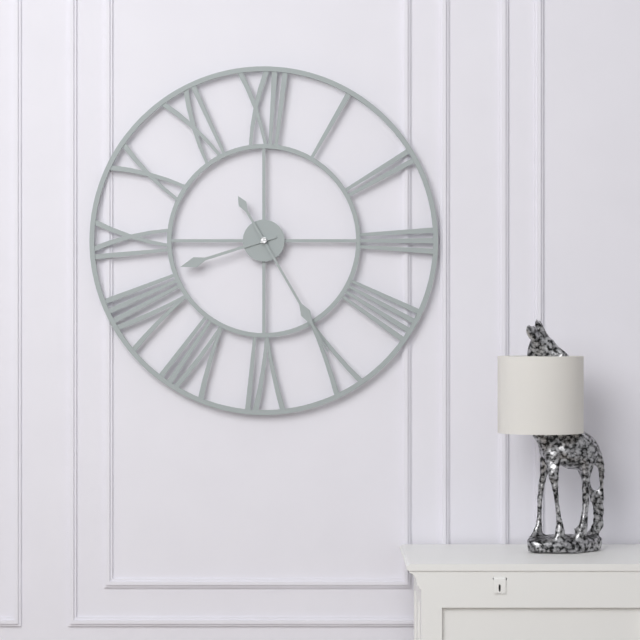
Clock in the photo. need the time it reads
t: 8:25
